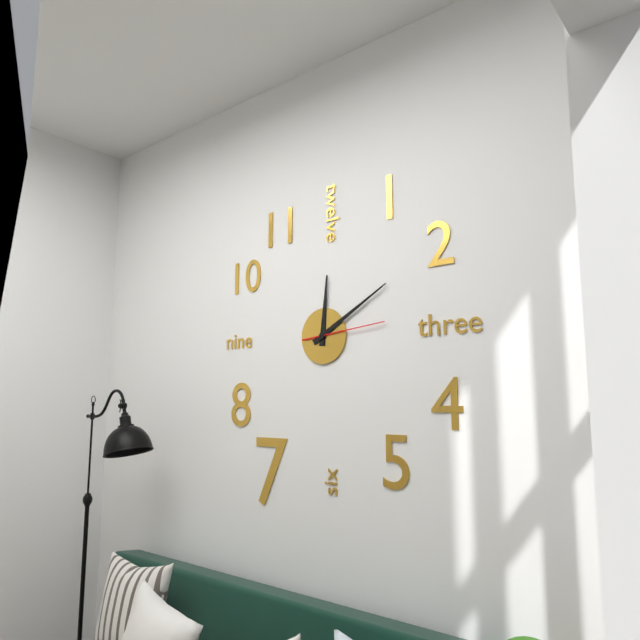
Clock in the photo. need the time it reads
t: 12:10:14
